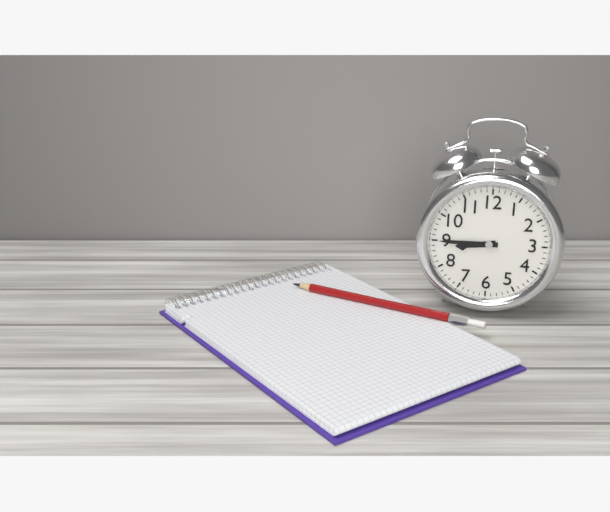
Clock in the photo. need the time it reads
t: 8:45
